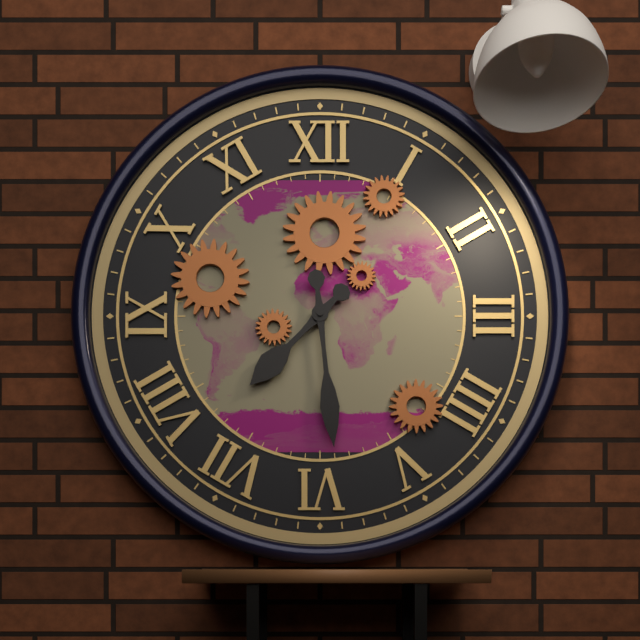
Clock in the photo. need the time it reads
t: 7:29
